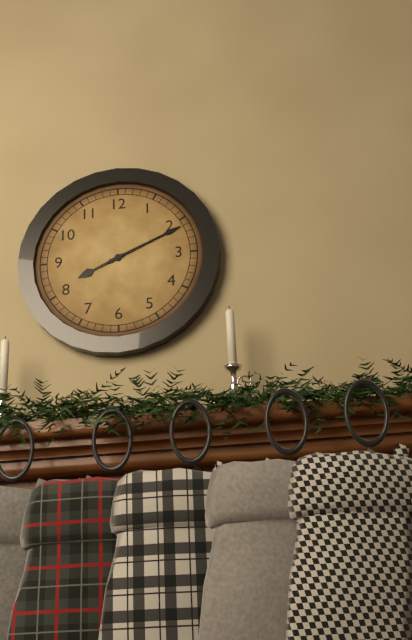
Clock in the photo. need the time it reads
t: 8:11
